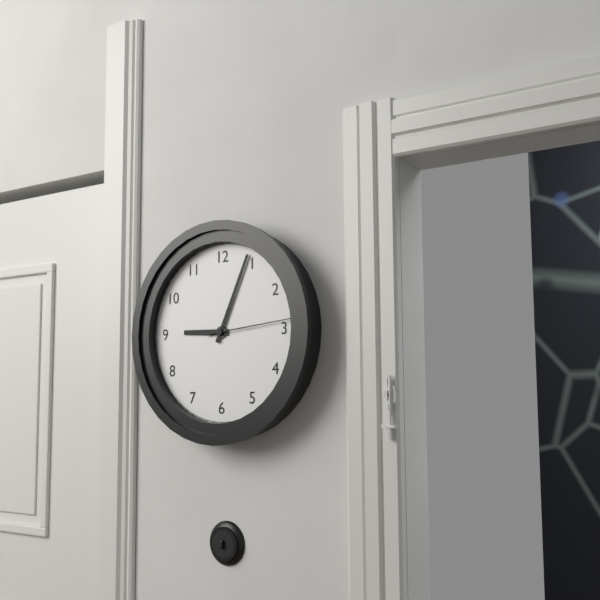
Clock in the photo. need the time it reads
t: 9:04:14
